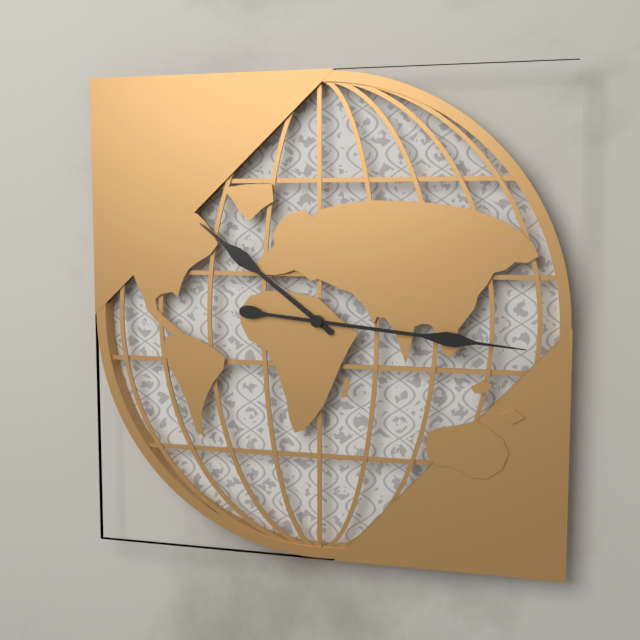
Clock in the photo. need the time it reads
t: 10:16
